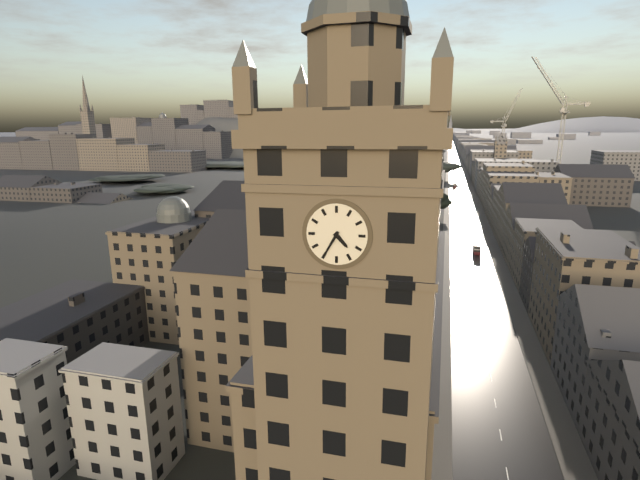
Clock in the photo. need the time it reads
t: 4:35
